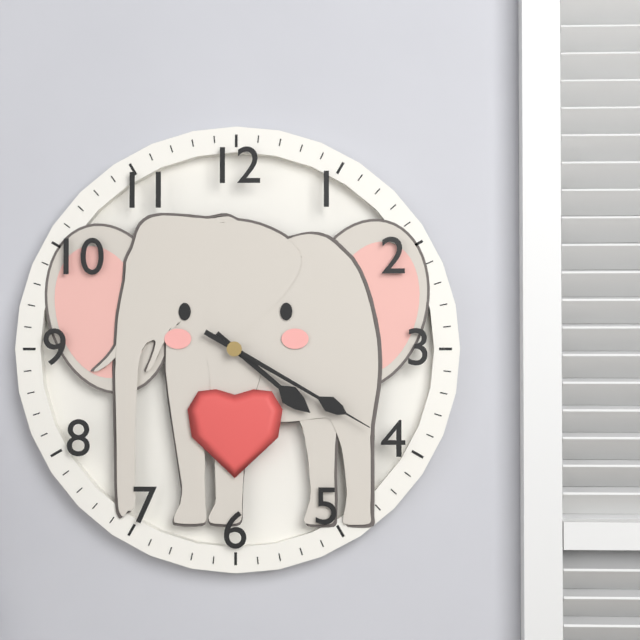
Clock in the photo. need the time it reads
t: 4:20
